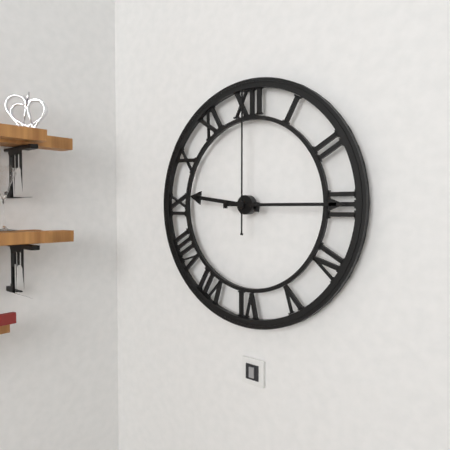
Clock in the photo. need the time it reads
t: 9:15:00
